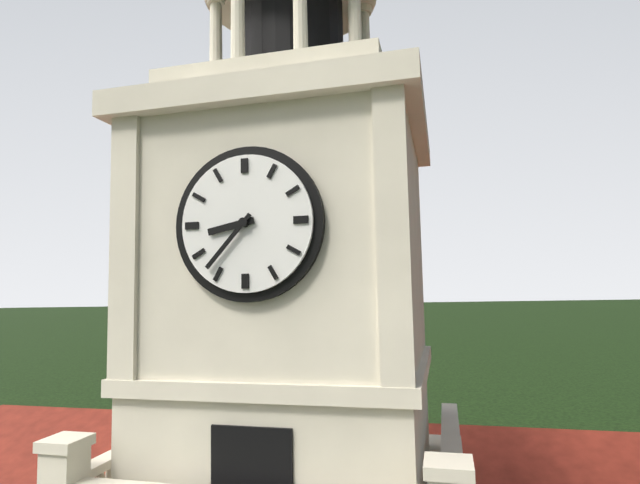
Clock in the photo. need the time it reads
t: 8:37
